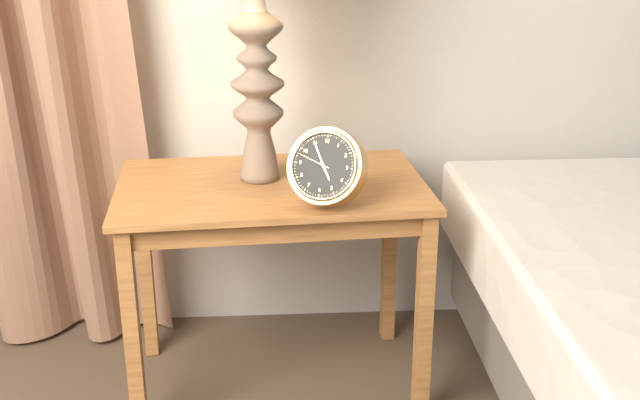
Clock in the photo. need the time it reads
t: 4:55
